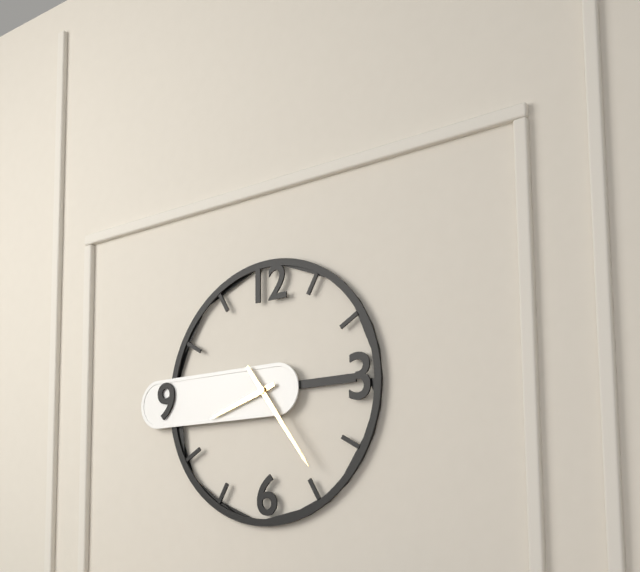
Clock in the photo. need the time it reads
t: 8:24
